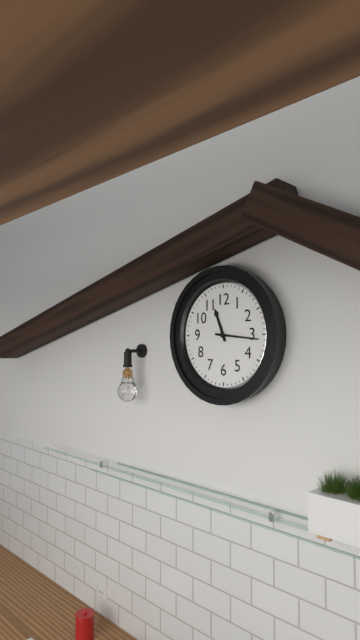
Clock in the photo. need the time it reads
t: 11:16
